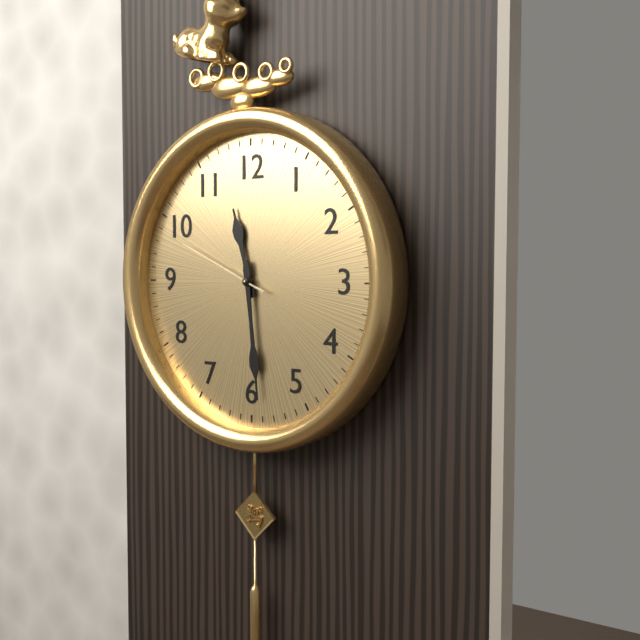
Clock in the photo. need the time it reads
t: 11:29:49
